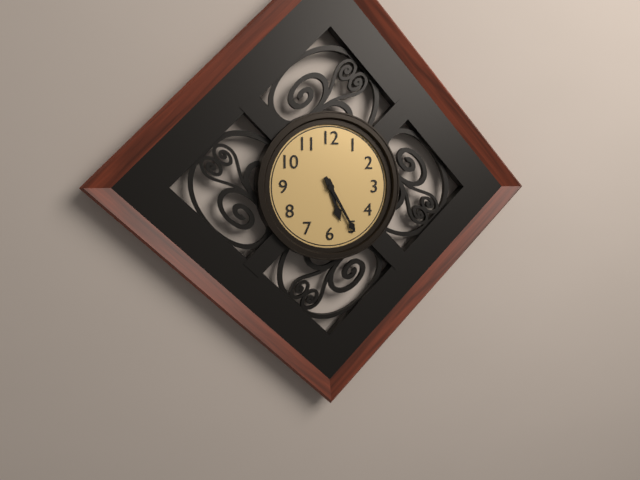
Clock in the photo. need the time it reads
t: 5:25
